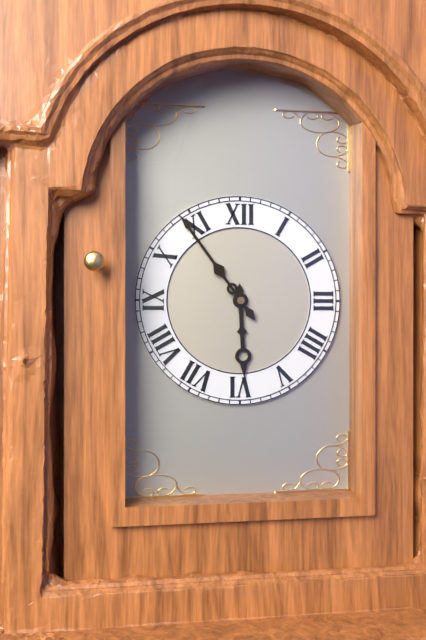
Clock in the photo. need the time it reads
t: 5:54
